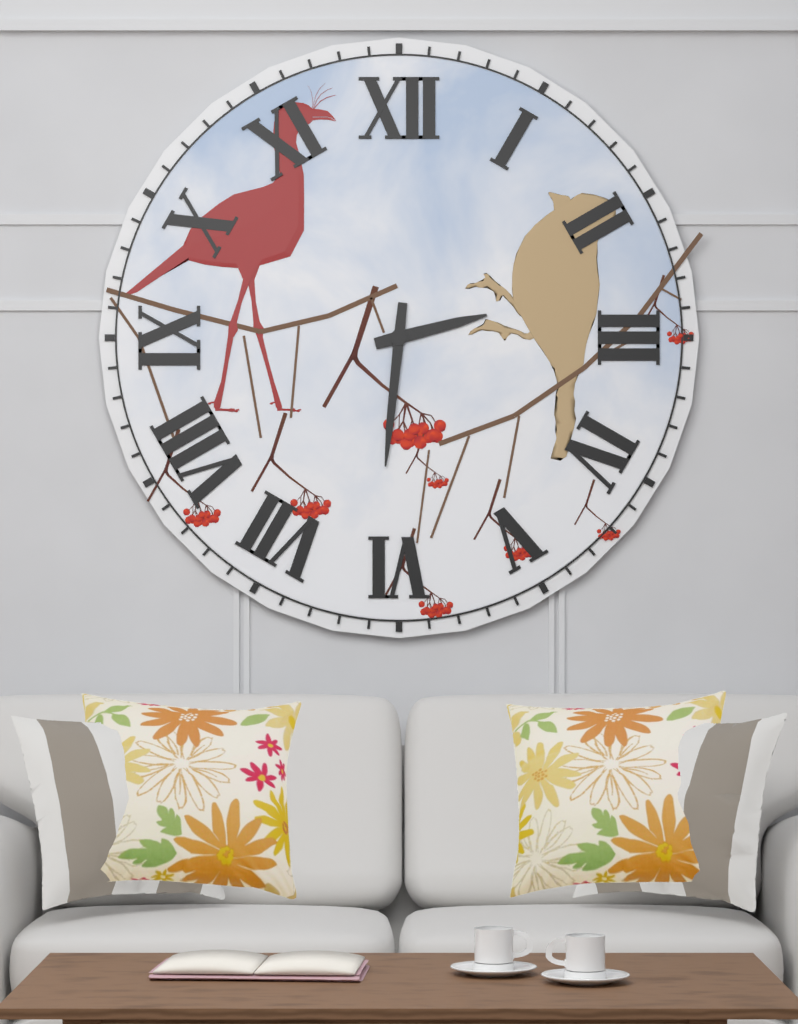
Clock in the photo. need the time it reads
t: 2:31
